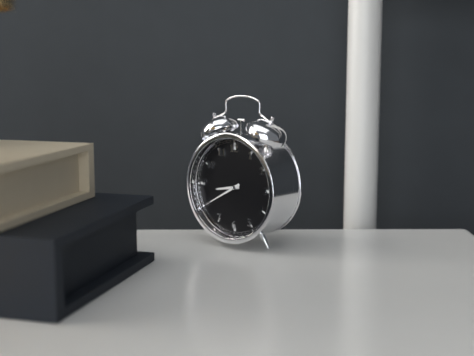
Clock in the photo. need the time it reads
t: 8:40
